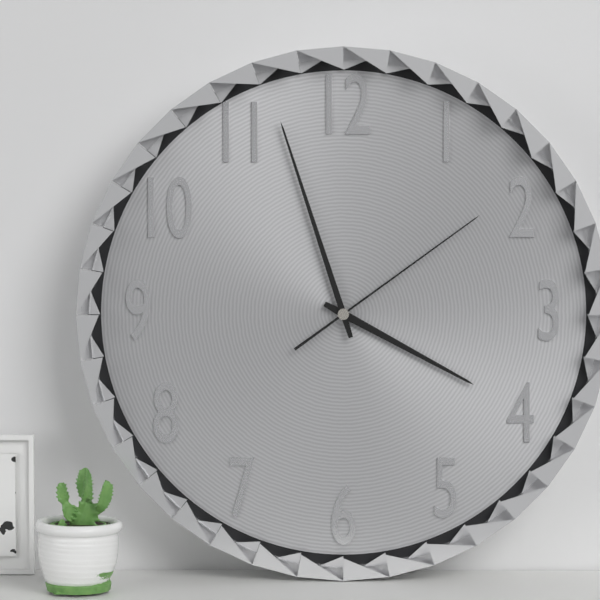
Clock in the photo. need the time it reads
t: 3:57:09
